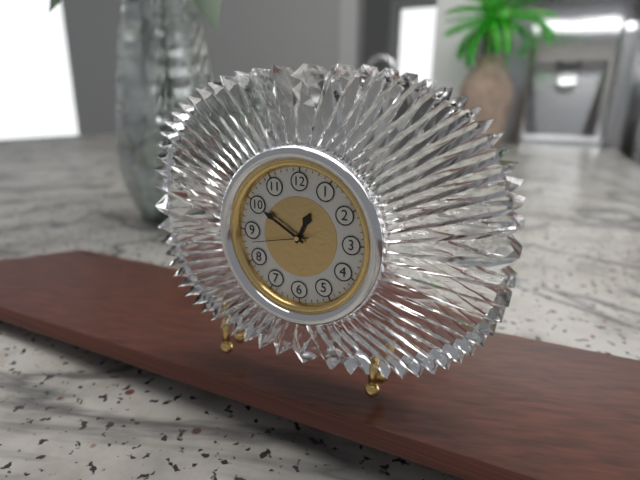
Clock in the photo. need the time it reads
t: 12:50:43
